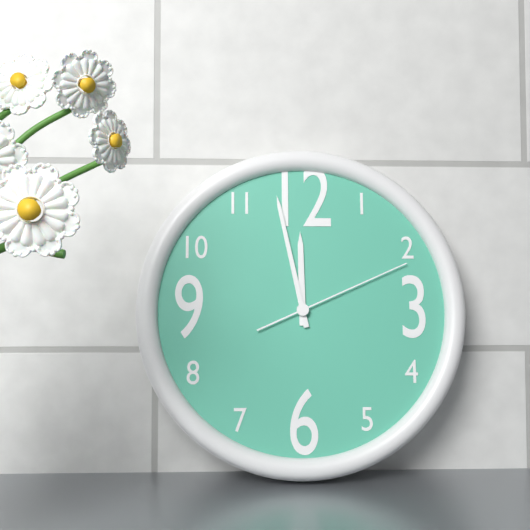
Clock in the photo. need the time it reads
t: 11:58:11
